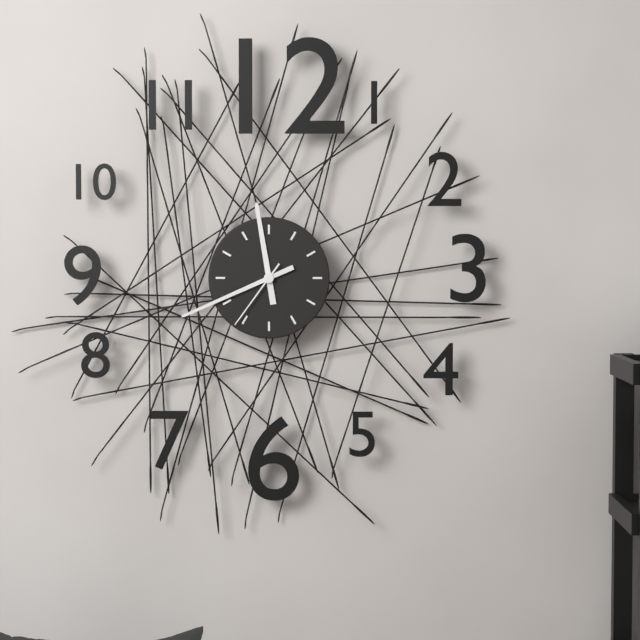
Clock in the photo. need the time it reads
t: 11:41:36
